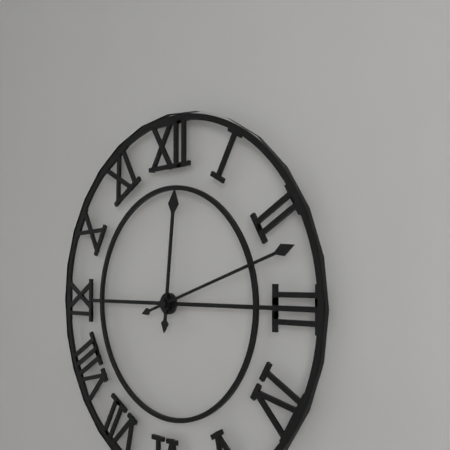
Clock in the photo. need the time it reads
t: 12:12
